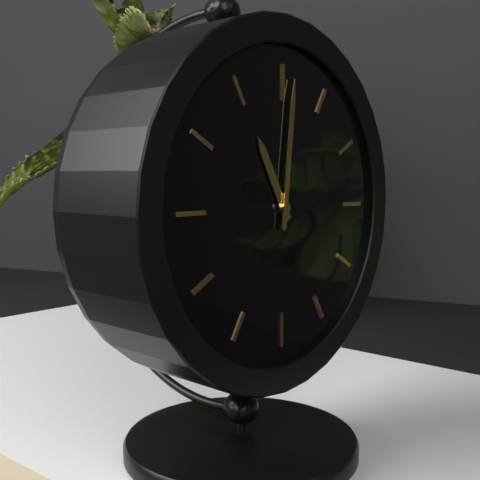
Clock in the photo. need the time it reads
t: 11:01
